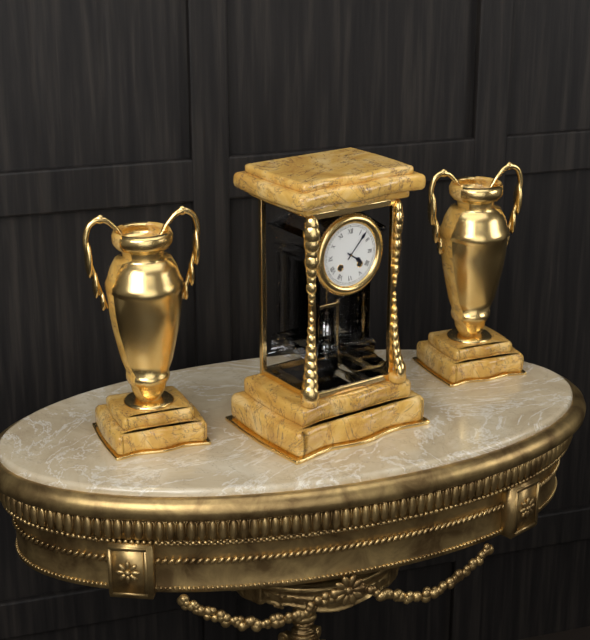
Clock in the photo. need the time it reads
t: 4:07
